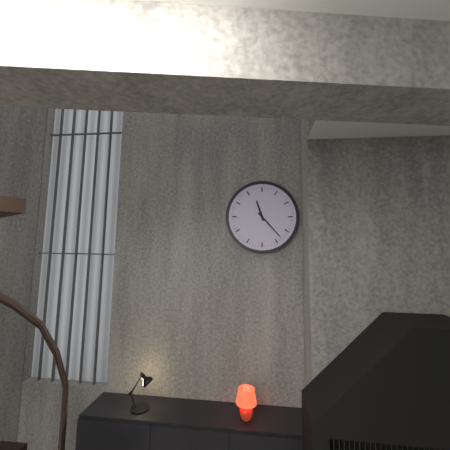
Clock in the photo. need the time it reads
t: 11:23
